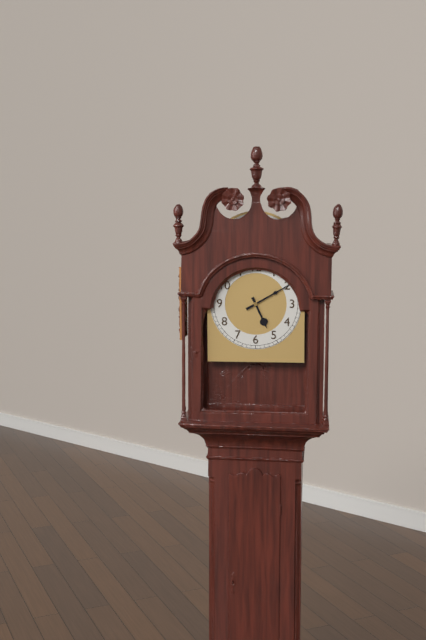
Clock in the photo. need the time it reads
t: 5:10
